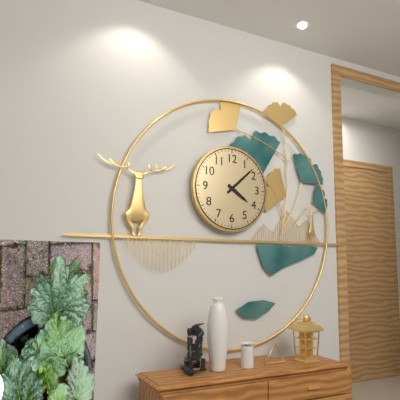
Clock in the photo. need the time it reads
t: 4:08
